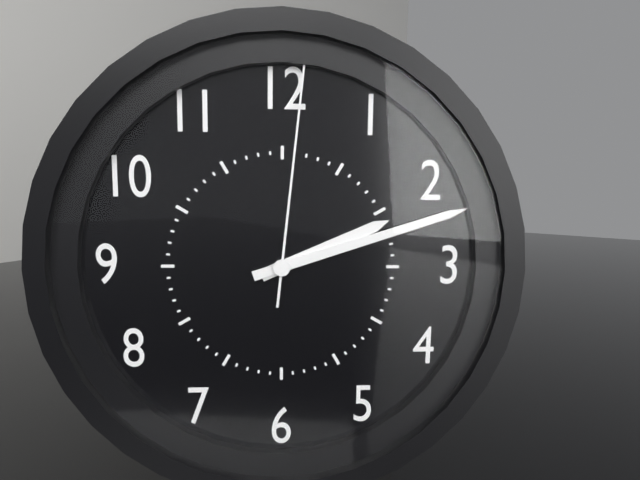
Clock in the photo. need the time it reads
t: 2:12:01
